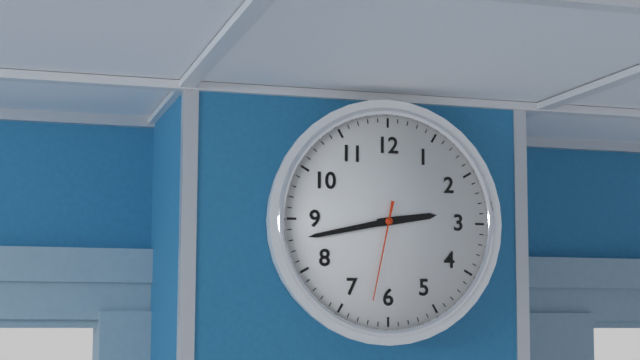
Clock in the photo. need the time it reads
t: 2:43:32
